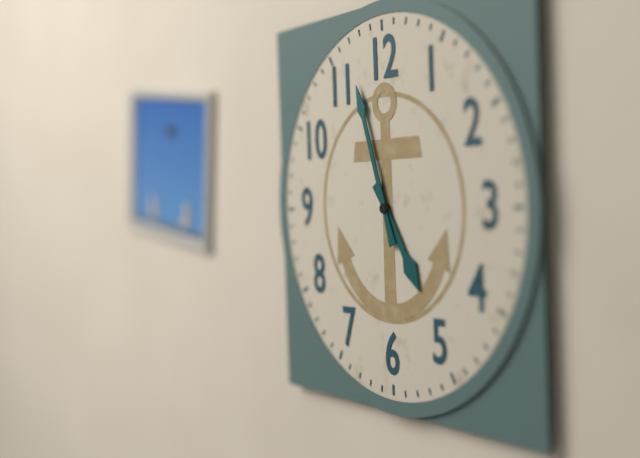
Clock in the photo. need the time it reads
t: 4:57
